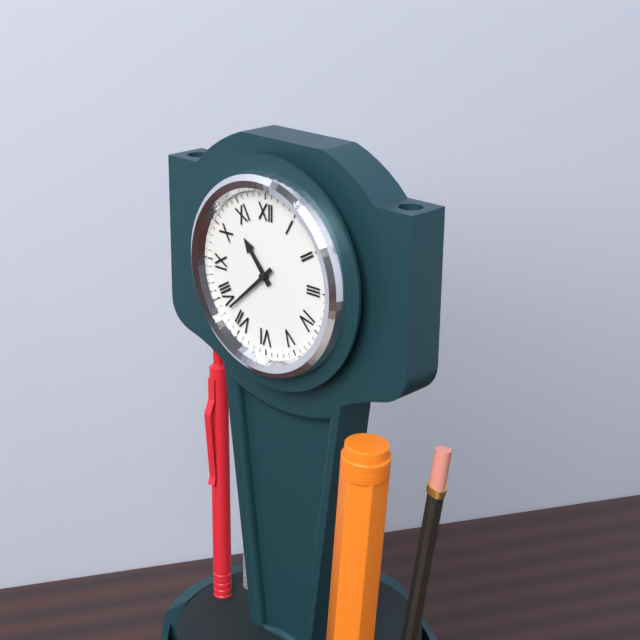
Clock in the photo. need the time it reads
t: 10:38
